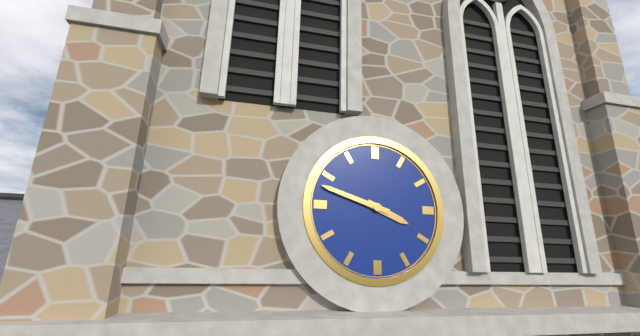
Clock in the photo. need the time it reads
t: 3:48
